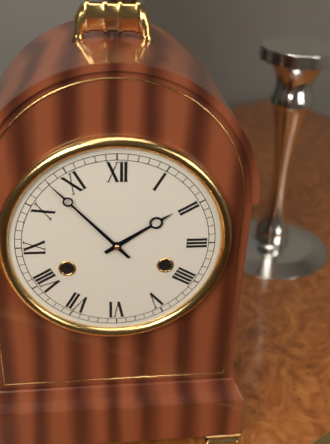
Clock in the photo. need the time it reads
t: 1:53
